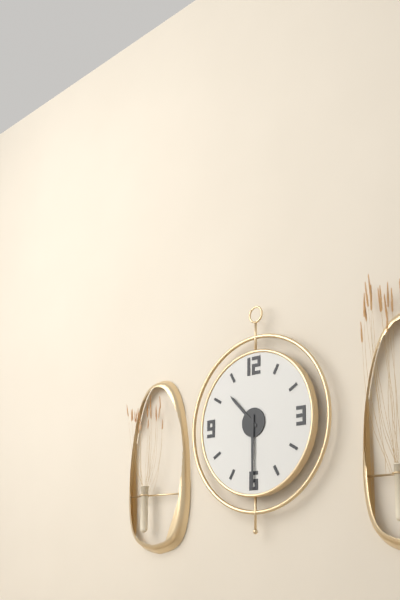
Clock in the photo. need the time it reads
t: 10:30
